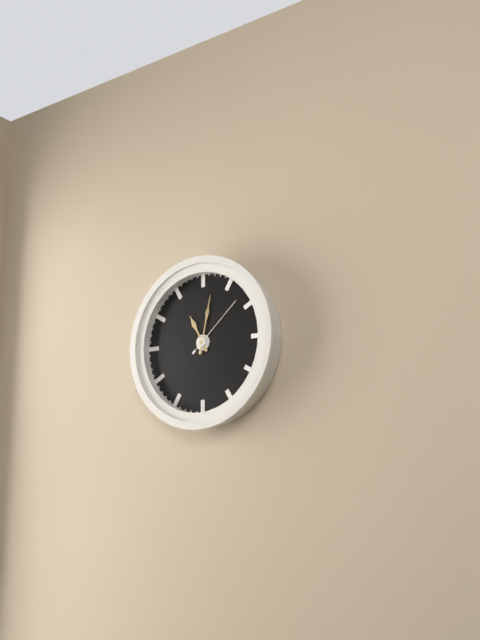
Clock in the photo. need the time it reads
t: 11:02:08
